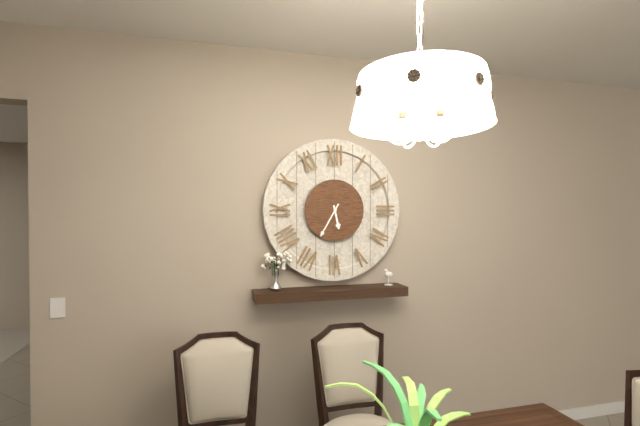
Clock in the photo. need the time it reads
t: 5:35
